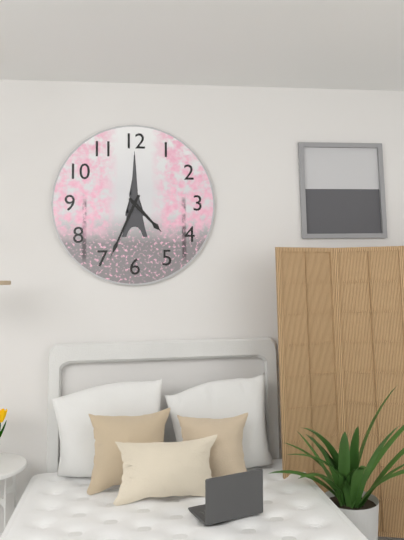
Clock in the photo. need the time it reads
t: 4:34
